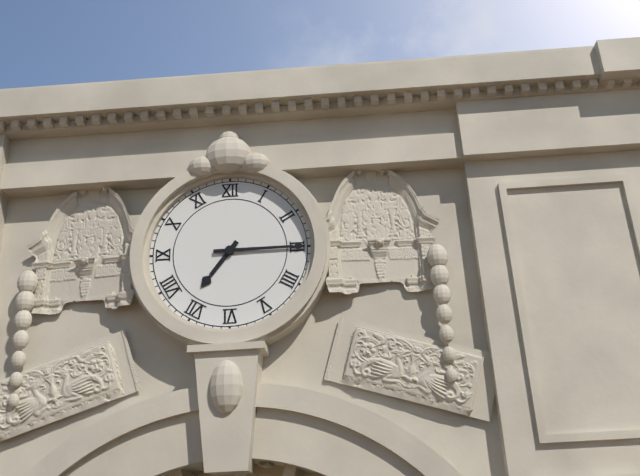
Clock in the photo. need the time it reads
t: 7:15
